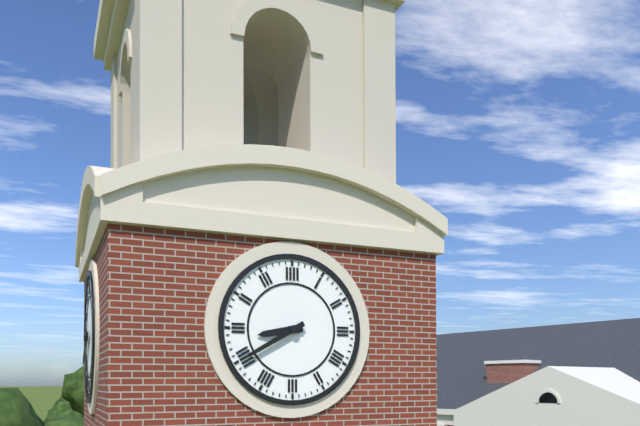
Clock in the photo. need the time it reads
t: 8:40
